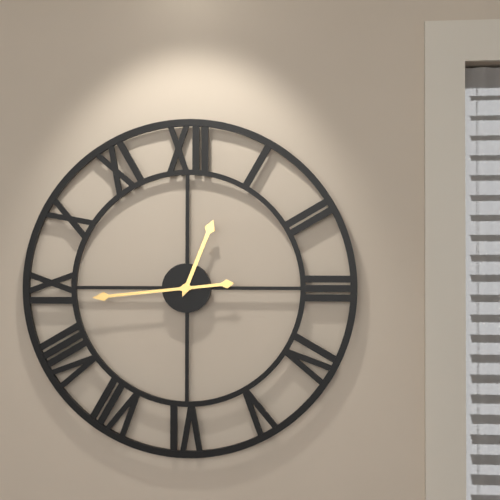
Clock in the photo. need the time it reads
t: 12:44
